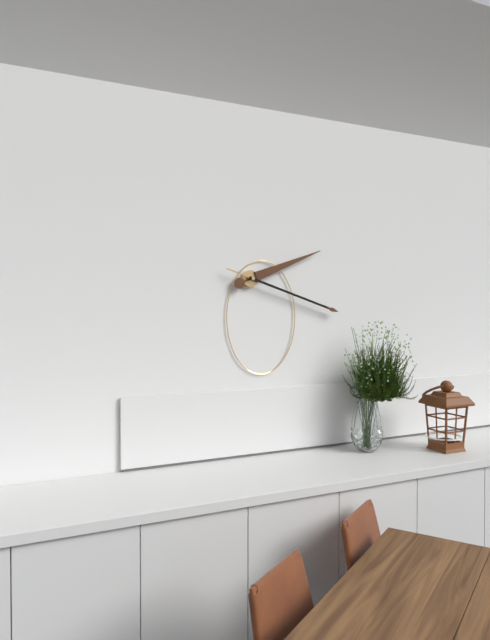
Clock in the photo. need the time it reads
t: 2:18
